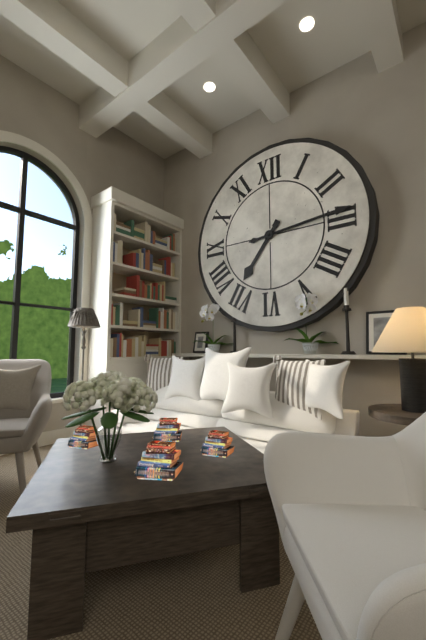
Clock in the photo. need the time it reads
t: 7:14
